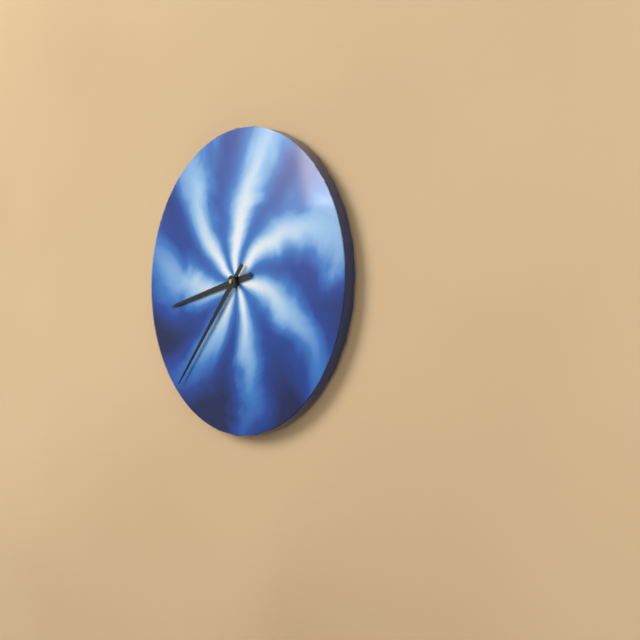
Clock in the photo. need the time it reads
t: 8:37
